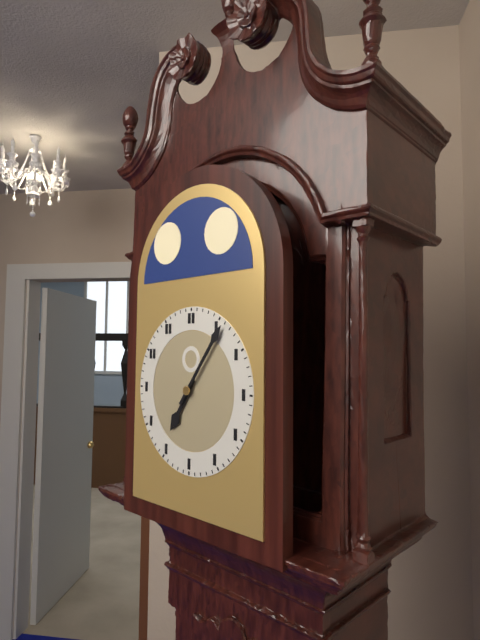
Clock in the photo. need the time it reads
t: 7:06
